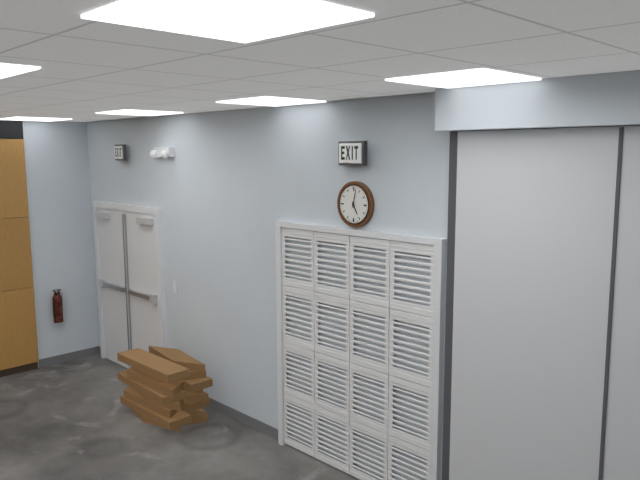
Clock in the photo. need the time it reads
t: 5:02
